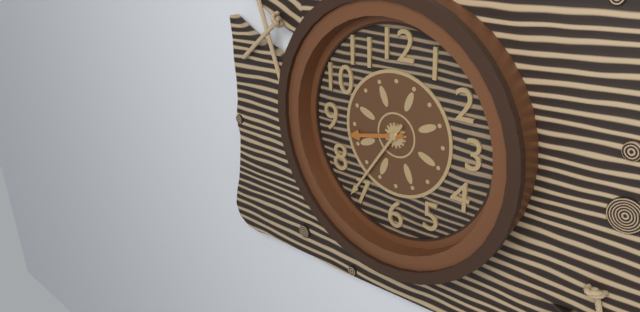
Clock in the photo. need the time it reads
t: 8:36
